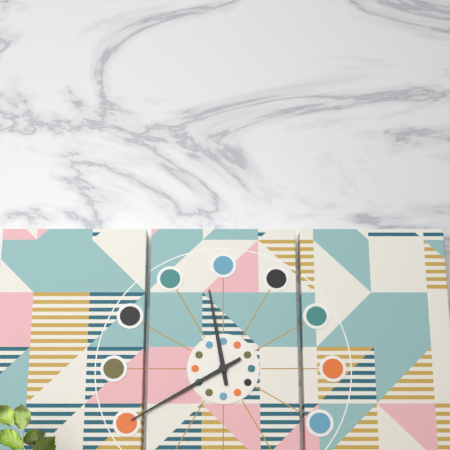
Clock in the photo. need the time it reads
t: 11:40
